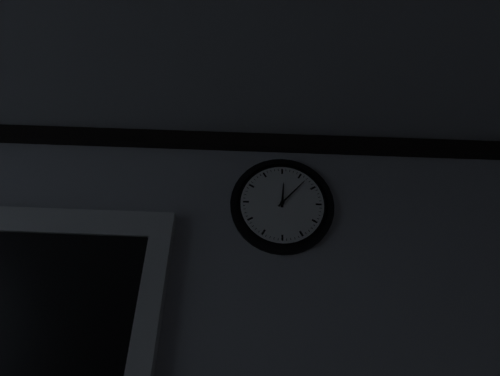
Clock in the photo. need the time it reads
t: 12:07
